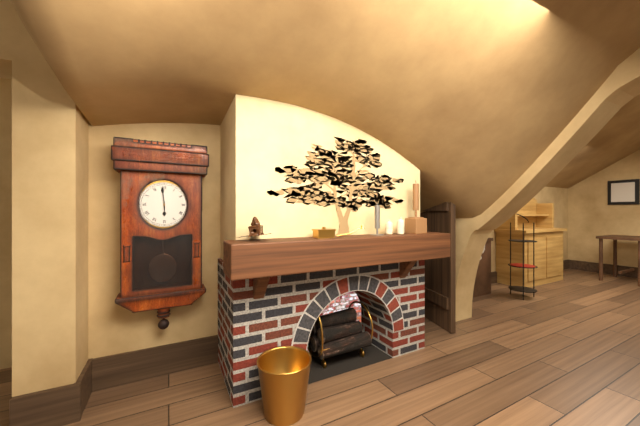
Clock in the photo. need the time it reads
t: 5:59
